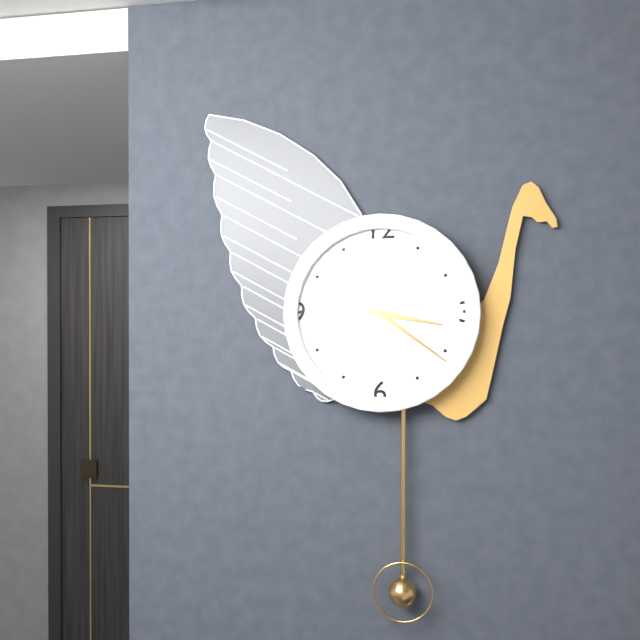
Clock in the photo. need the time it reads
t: 3:21
